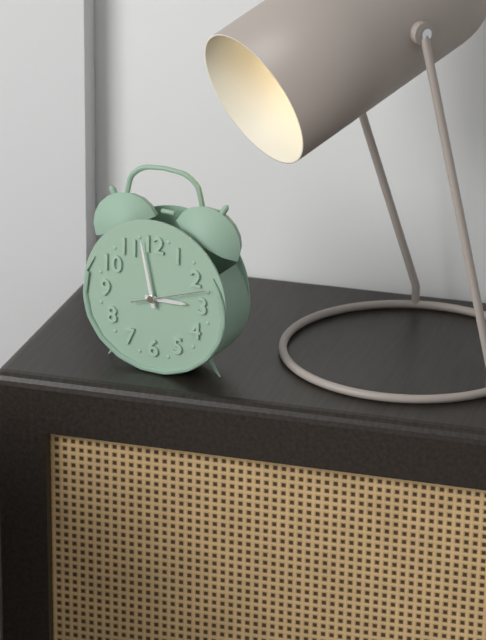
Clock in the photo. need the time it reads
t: 2:58:12
